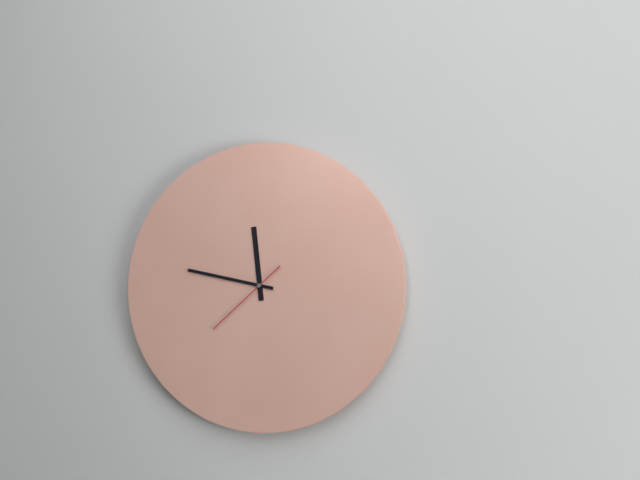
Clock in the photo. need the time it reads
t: 11:47:38
